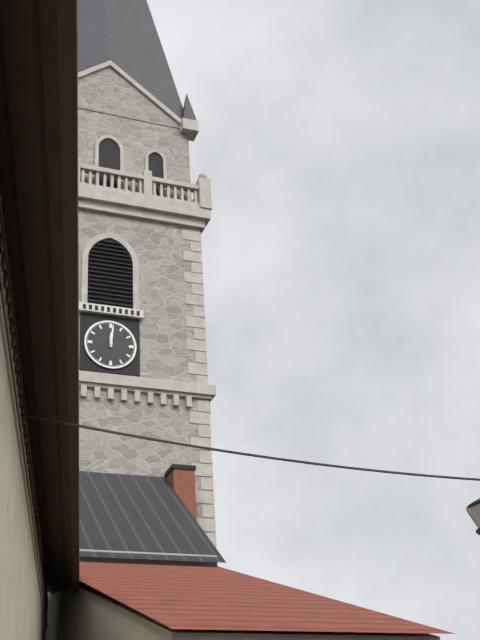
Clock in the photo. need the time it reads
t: 12:01
